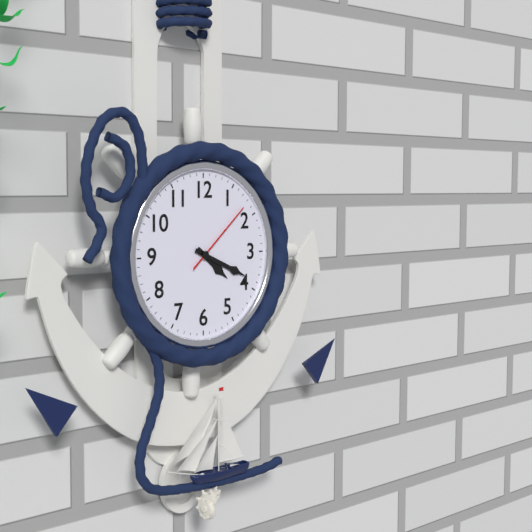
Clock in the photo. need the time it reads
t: 4:19:08
